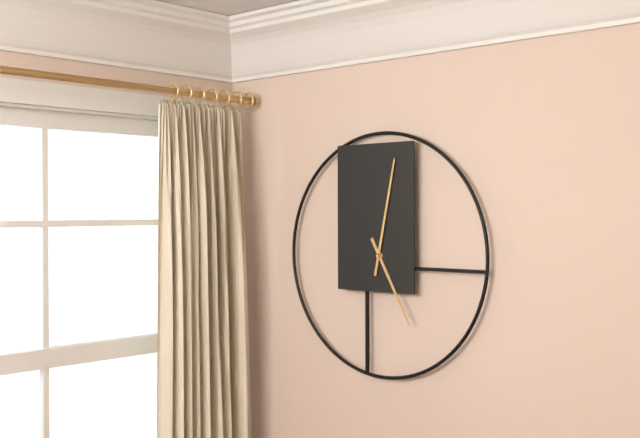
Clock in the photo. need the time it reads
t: 5:02
